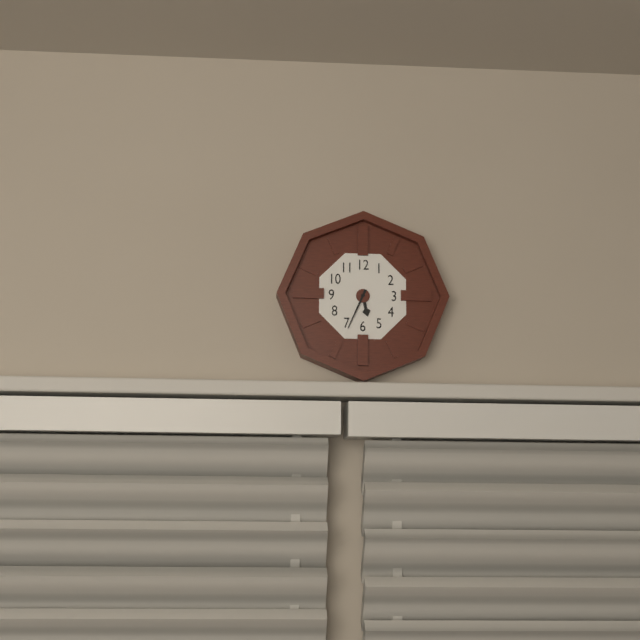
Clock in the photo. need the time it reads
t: 5:34
